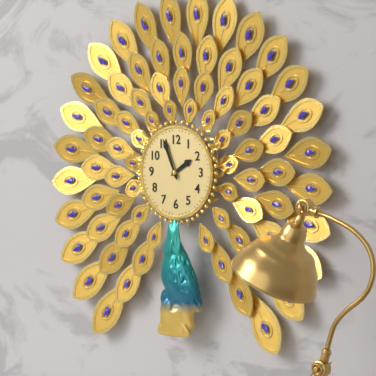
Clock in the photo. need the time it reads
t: 1:56
